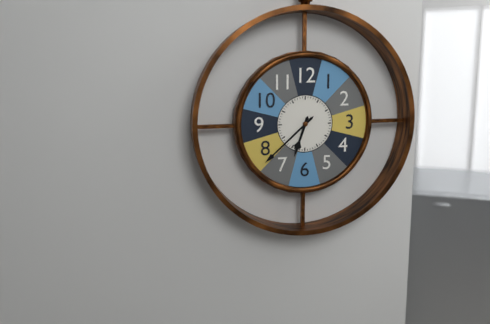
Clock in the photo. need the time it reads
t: 6:38
